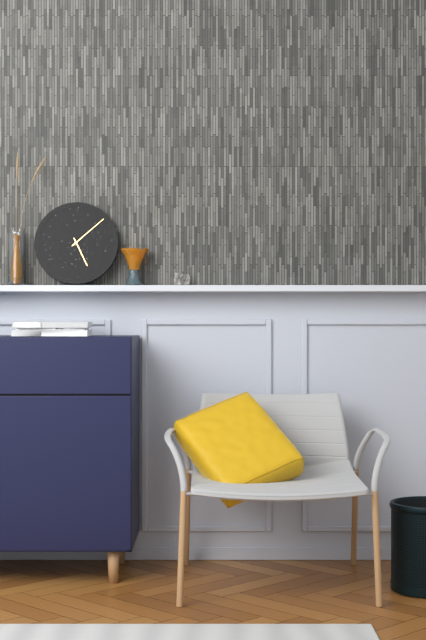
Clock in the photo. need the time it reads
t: 5:08
